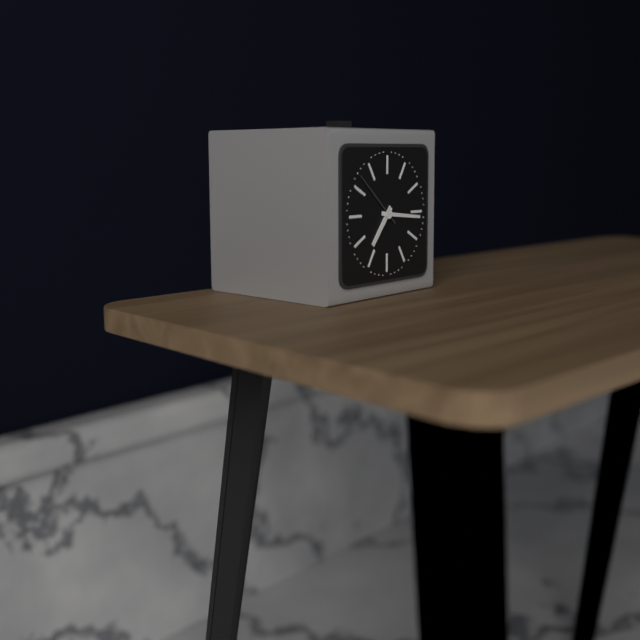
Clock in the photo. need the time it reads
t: 7:16:52
